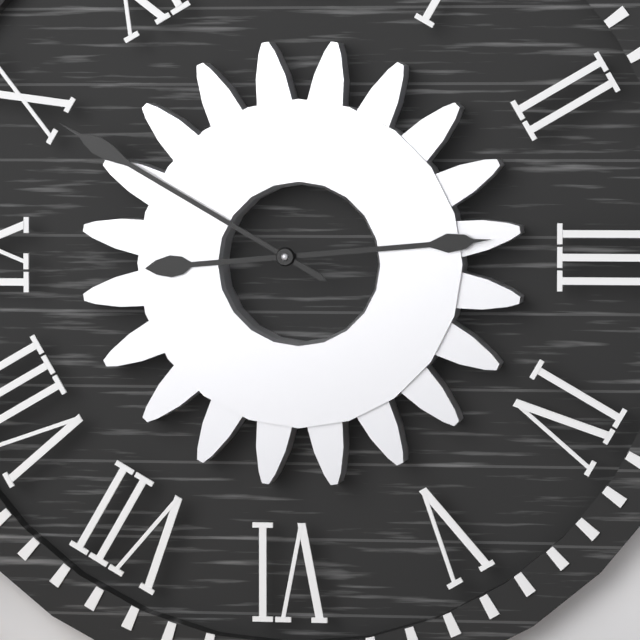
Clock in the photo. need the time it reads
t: 2:50
